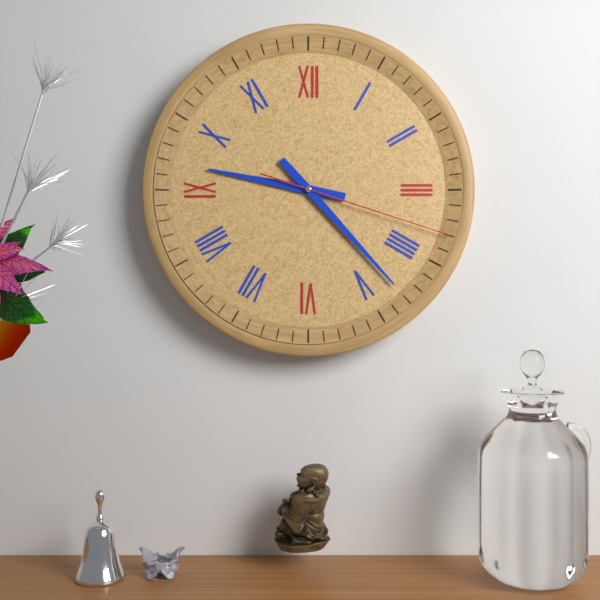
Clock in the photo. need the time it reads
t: 9:23:18
